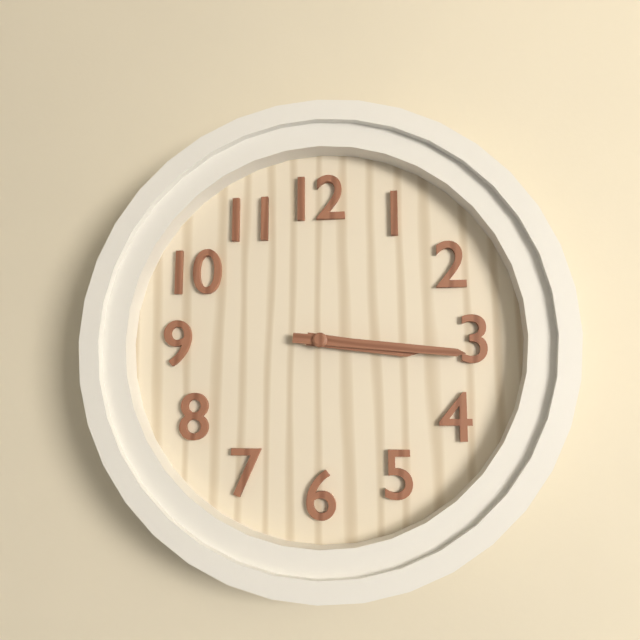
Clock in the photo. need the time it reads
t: 3:16
